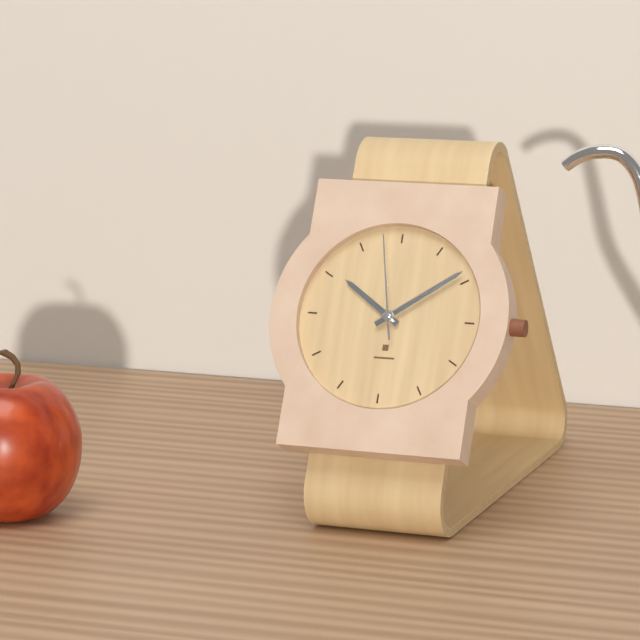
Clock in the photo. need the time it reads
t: 10:09:58
